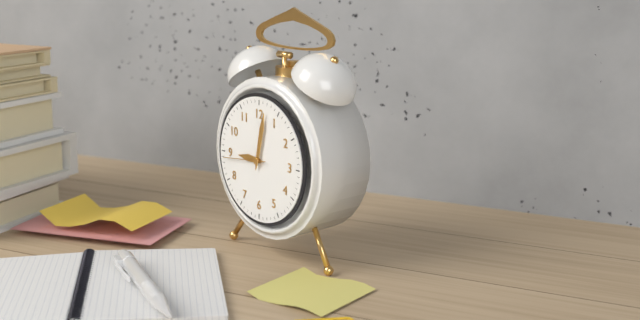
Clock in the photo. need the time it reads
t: 9:02
